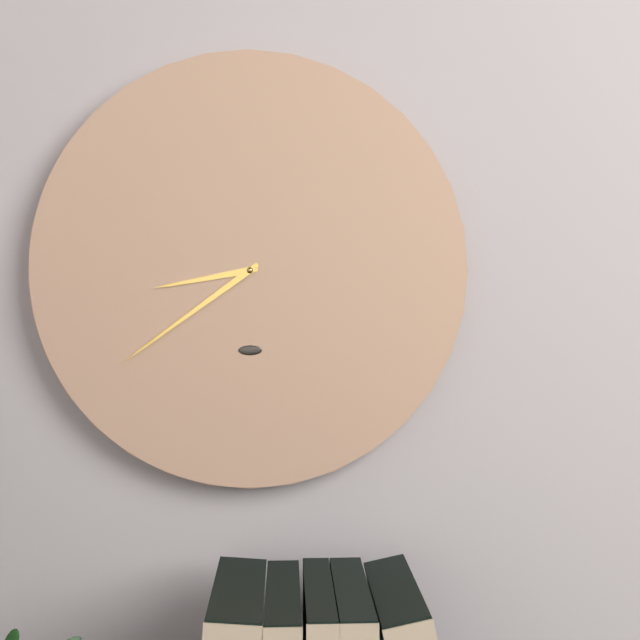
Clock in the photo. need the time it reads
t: 8:39
